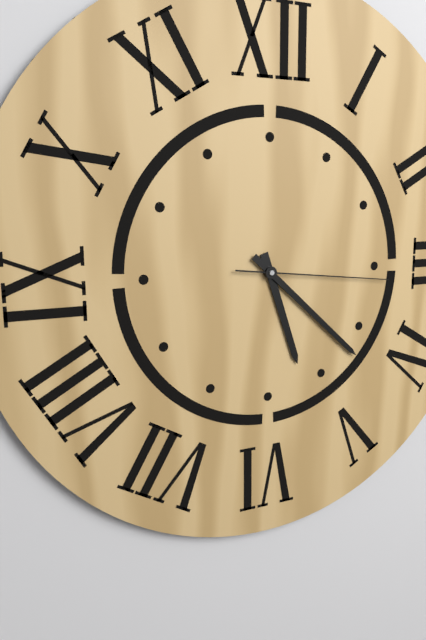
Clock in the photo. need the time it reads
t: 5:22:16
